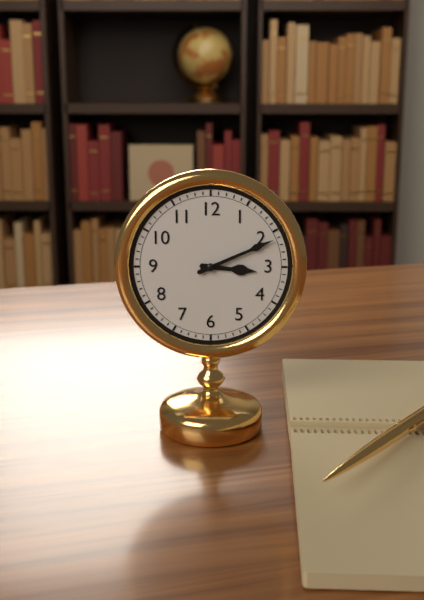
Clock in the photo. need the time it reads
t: 3:11
